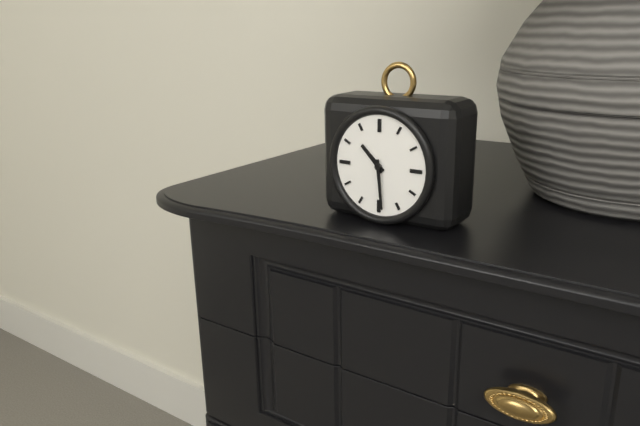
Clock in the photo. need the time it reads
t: 10:29
